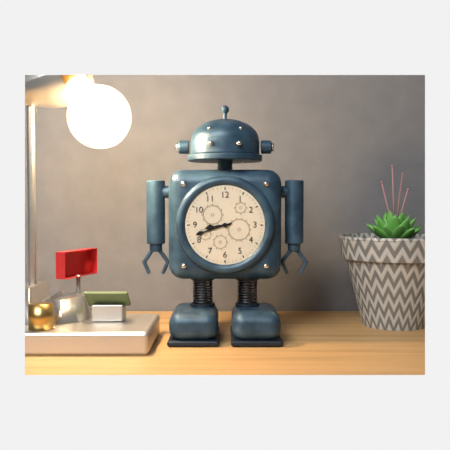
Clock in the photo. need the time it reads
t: 8:42
